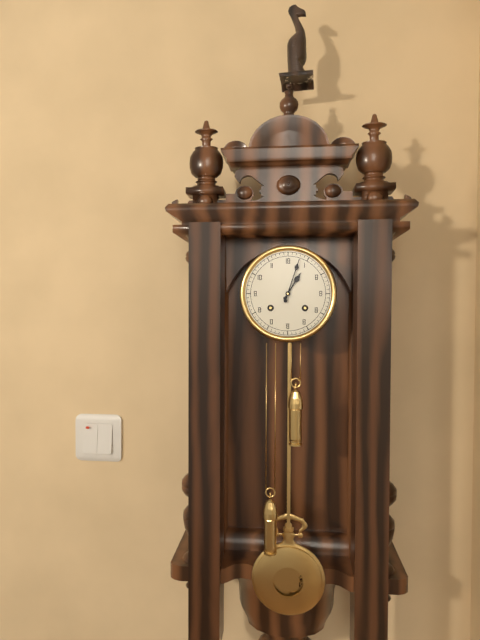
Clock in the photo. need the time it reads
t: 1:03
